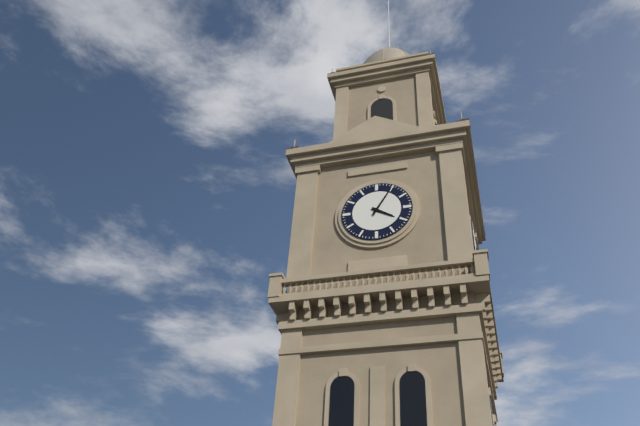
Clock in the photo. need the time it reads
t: 4:05
